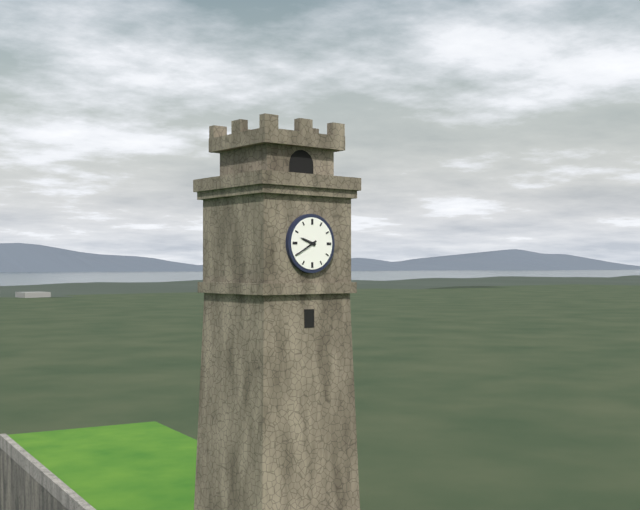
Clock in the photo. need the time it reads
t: 9:40
